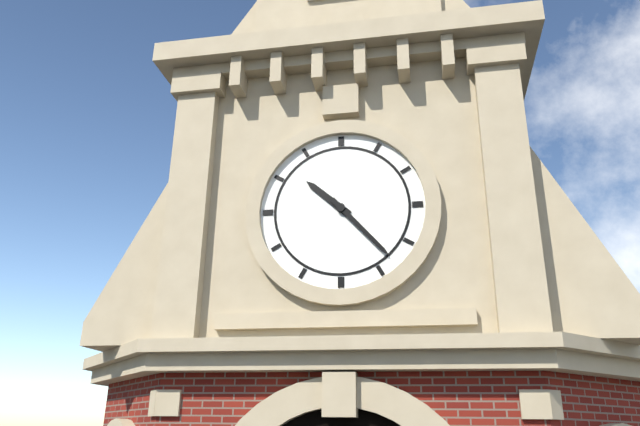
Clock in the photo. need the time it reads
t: 10:23
